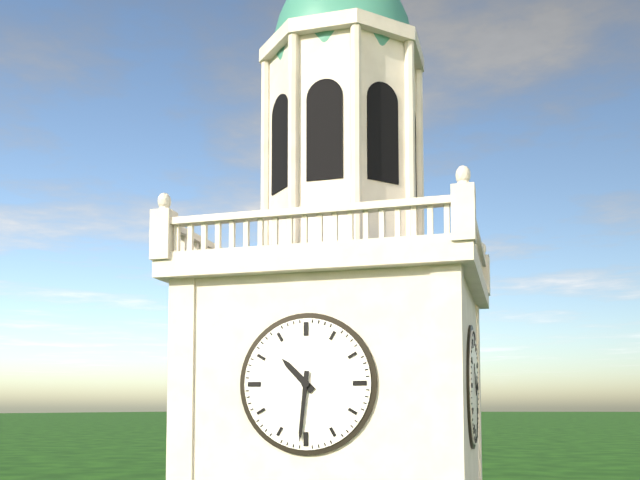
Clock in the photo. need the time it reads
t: 10:31
